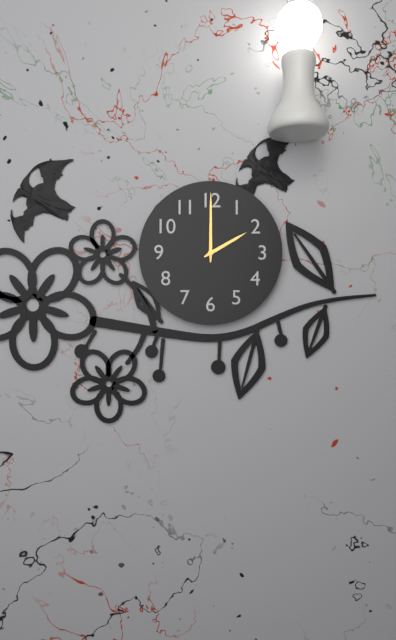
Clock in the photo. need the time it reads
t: 2:00
